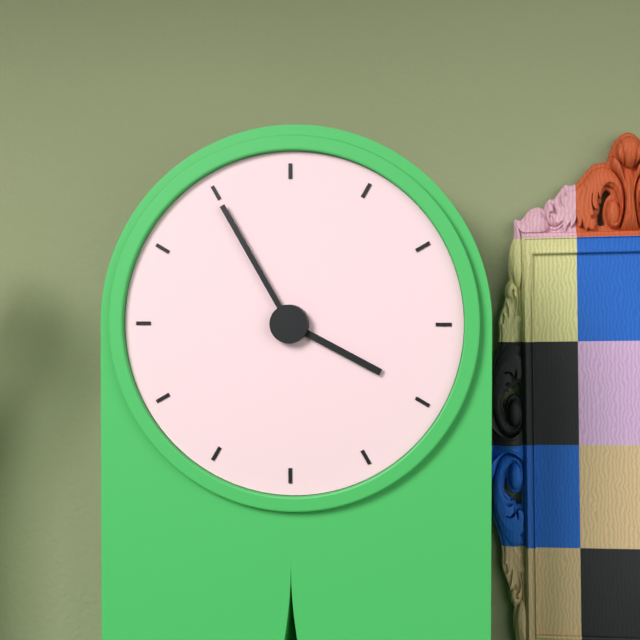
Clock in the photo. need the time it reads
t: 3:55
